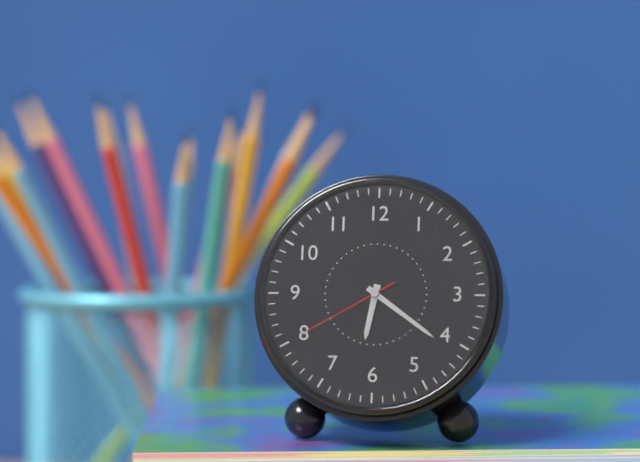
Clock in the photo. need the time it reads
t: 6:21:40
